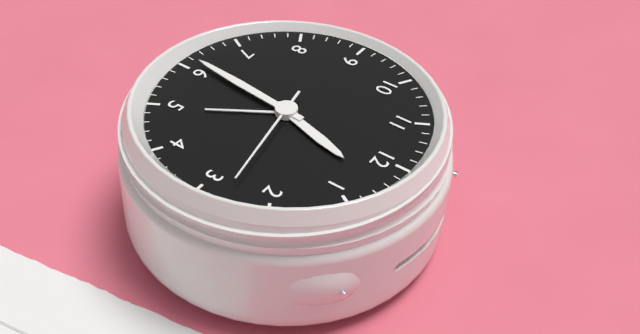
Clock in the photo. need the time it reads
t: 12:31:13
